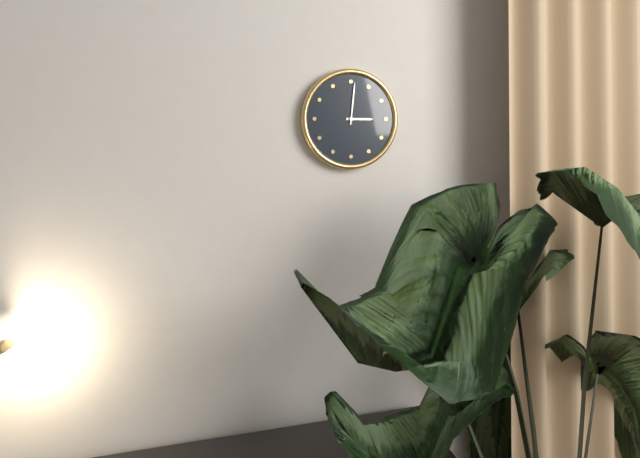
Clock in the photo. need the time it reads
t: 3:01
